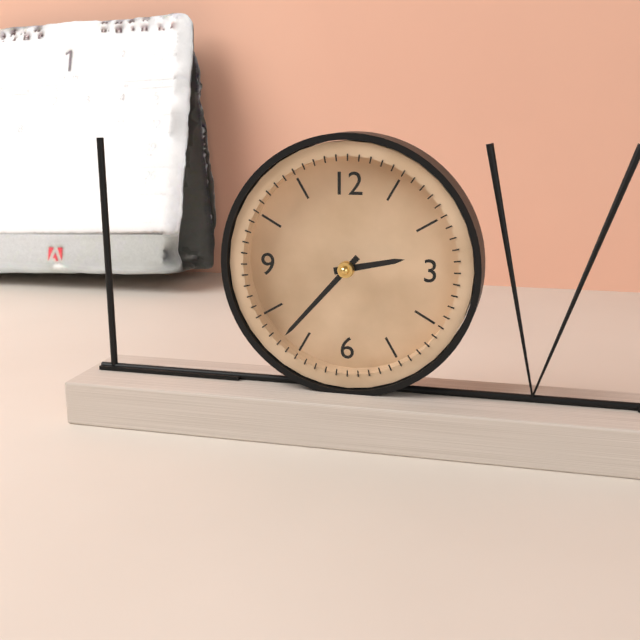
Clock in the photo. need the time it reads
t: 2:37
